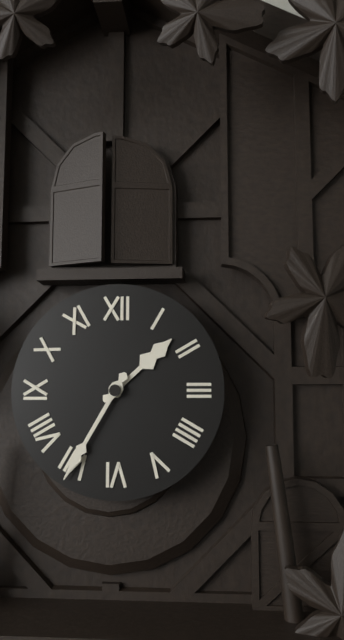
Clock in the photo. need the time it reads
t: 1:35
